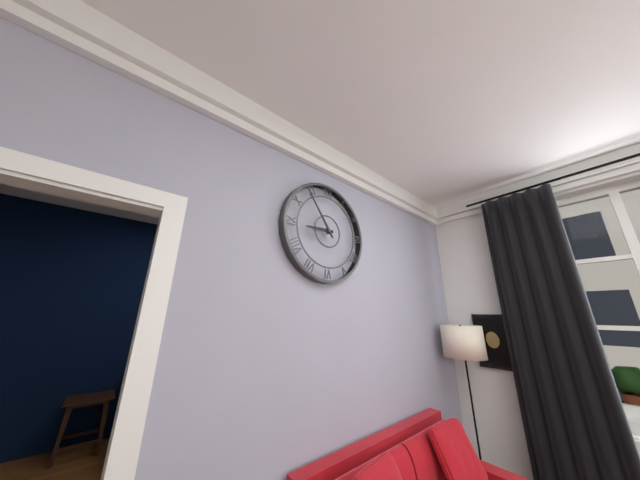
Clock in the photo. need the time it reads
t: 8:54
